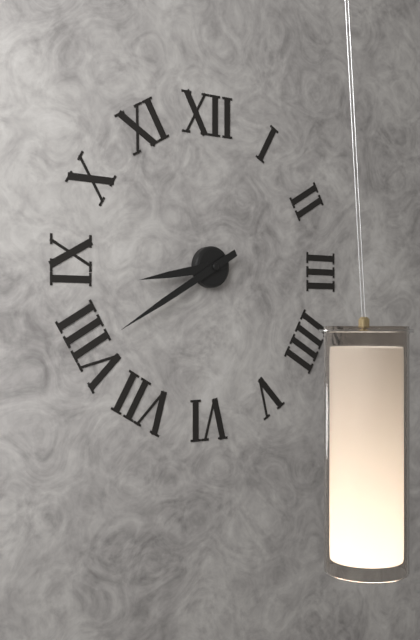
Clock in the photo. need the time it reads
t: 8:40
